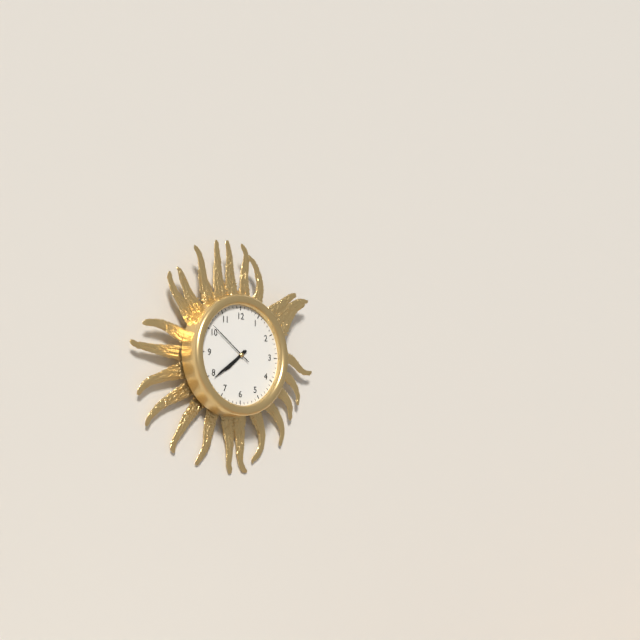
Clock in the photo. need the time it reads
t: 7:39:51
